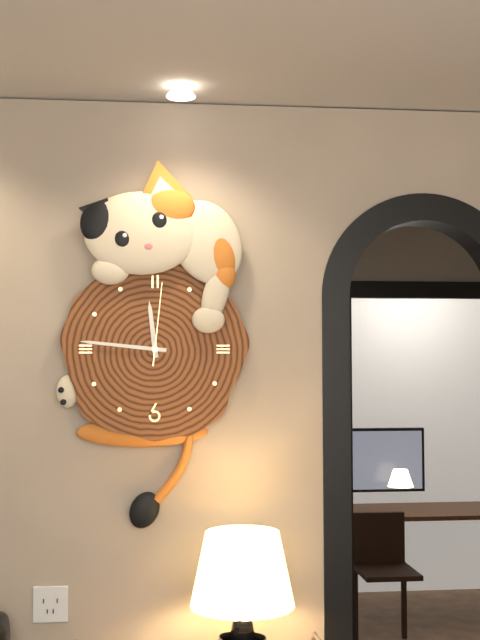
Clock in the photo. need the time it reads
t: 11:46:01
